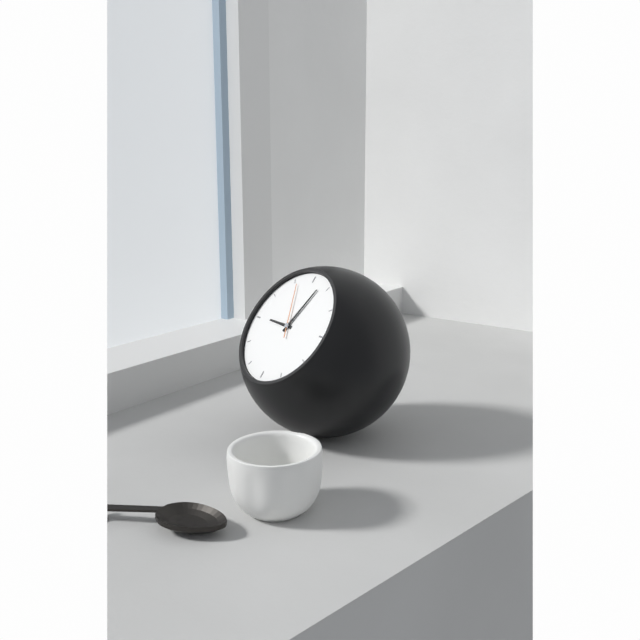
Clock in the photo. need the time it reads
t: 9:03:56
